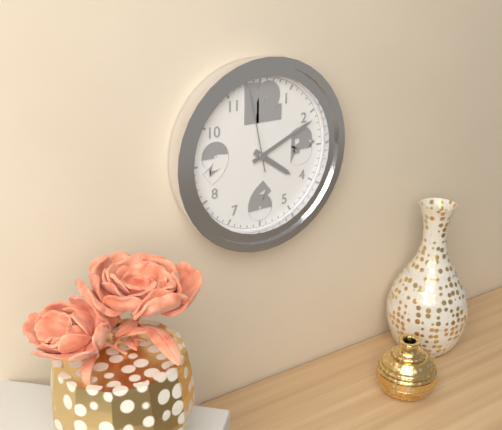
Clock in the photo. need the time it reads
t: 4:11:58
